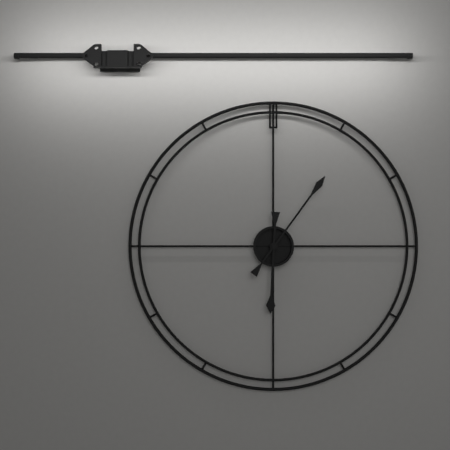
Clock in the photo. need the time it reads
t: 6:06
